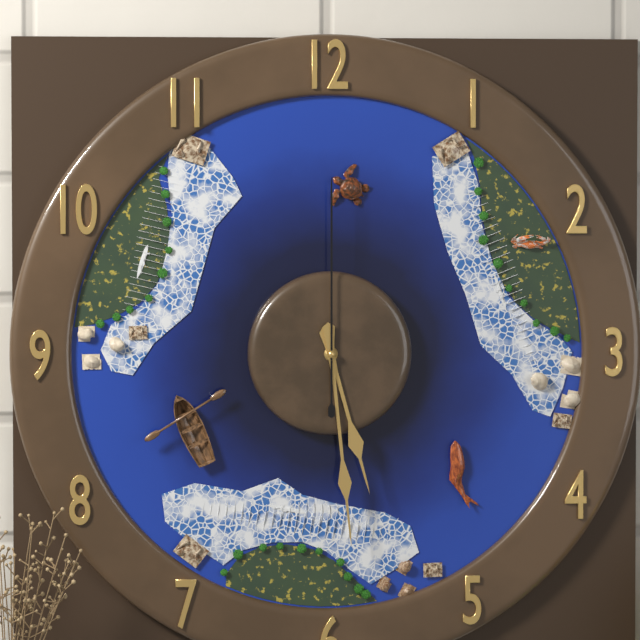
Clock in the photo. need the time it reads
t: 5:29:00
